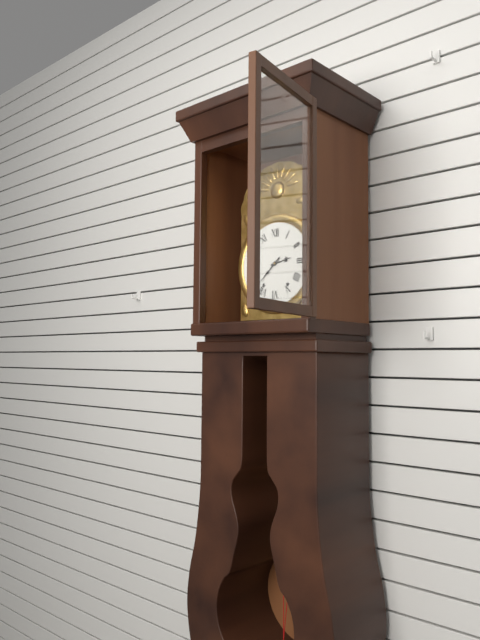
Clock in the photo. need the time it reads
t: 2:38
